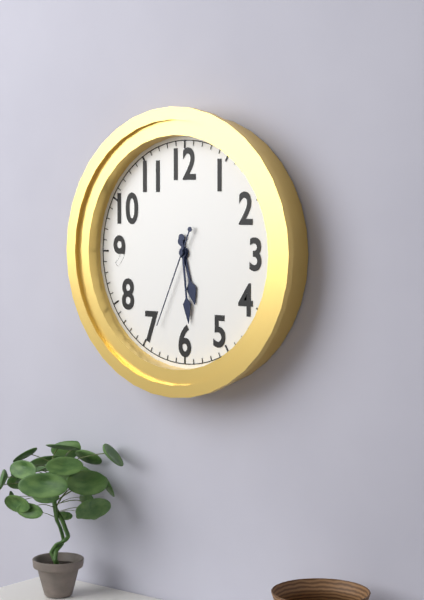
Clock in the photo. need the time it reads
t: 5:29:34
